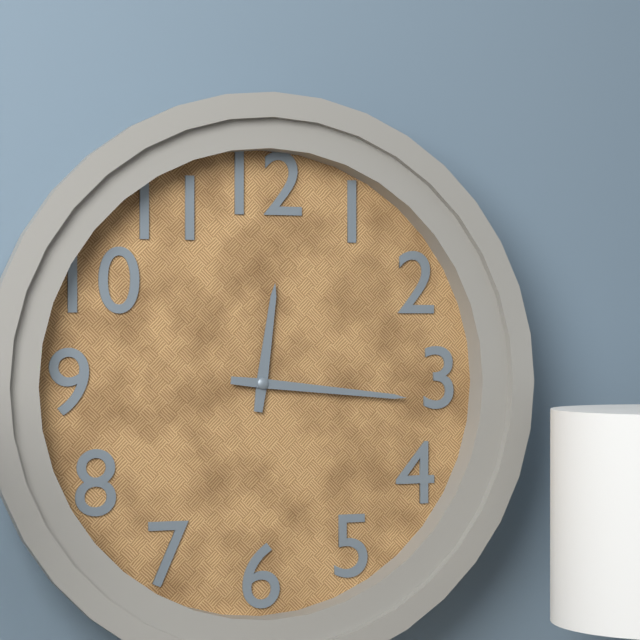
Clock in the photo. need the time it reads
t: 12:16
